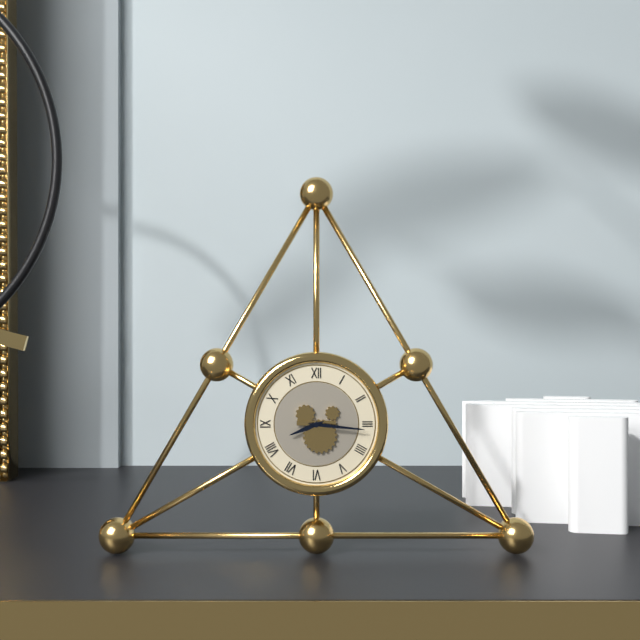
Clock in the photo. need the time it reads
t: 8:16
